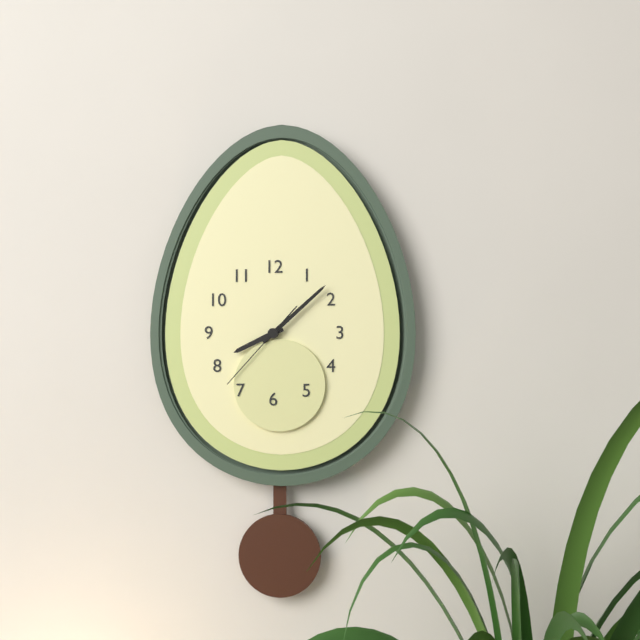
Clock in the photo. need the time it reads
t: 8:08:37
